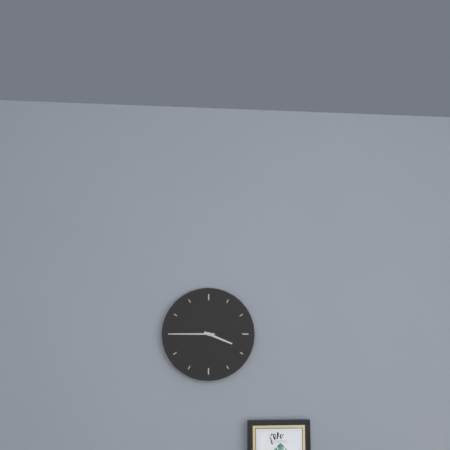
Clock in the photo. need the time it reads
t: 3:45
